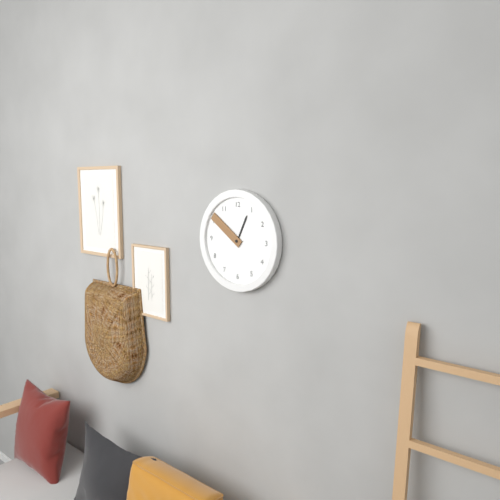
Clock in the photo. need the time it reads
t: 12:51
